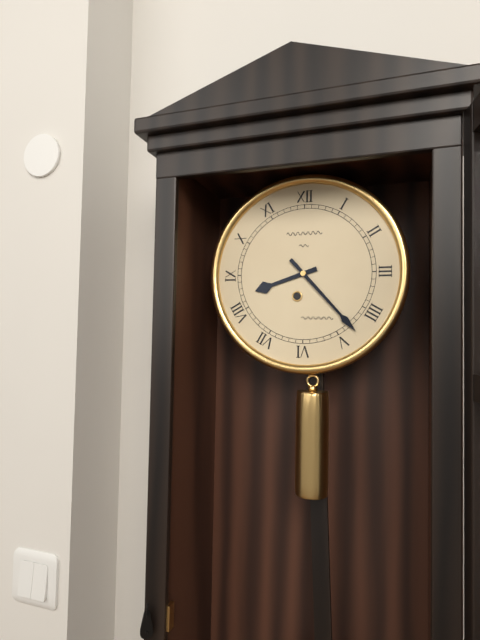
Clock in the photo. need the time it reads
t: 8:23
